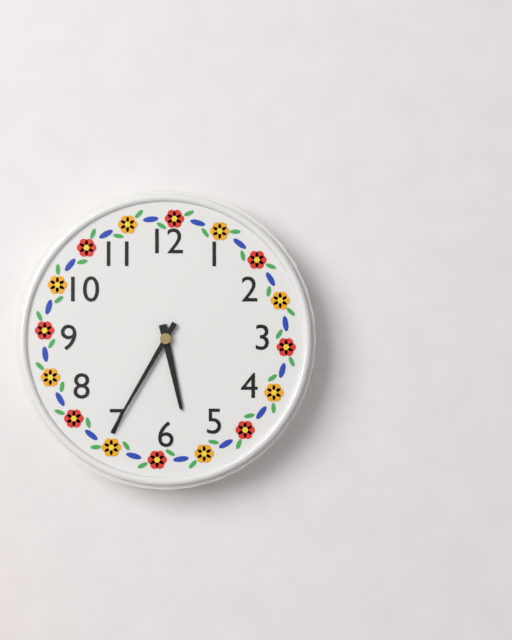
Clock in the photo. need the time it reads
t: 5:35
